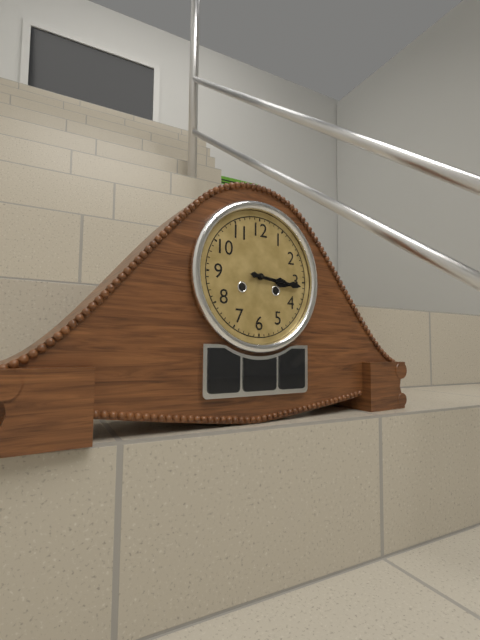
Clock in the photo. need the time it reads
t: 3:16
